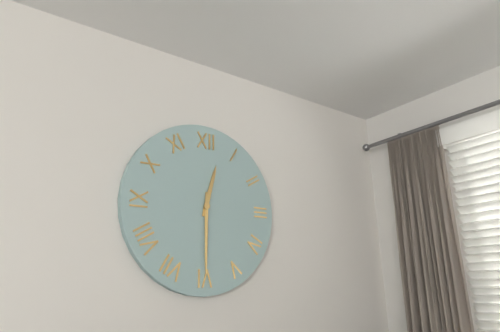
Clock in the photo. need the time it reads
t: 12:30
